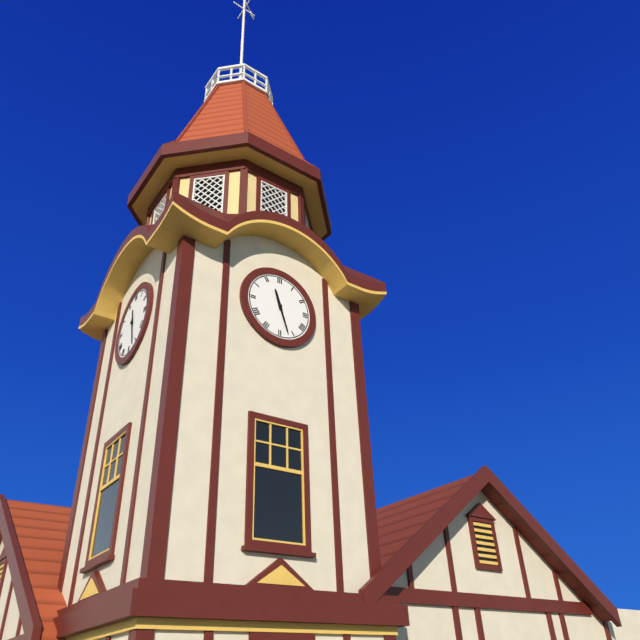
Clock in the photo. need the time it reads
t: 11:27
